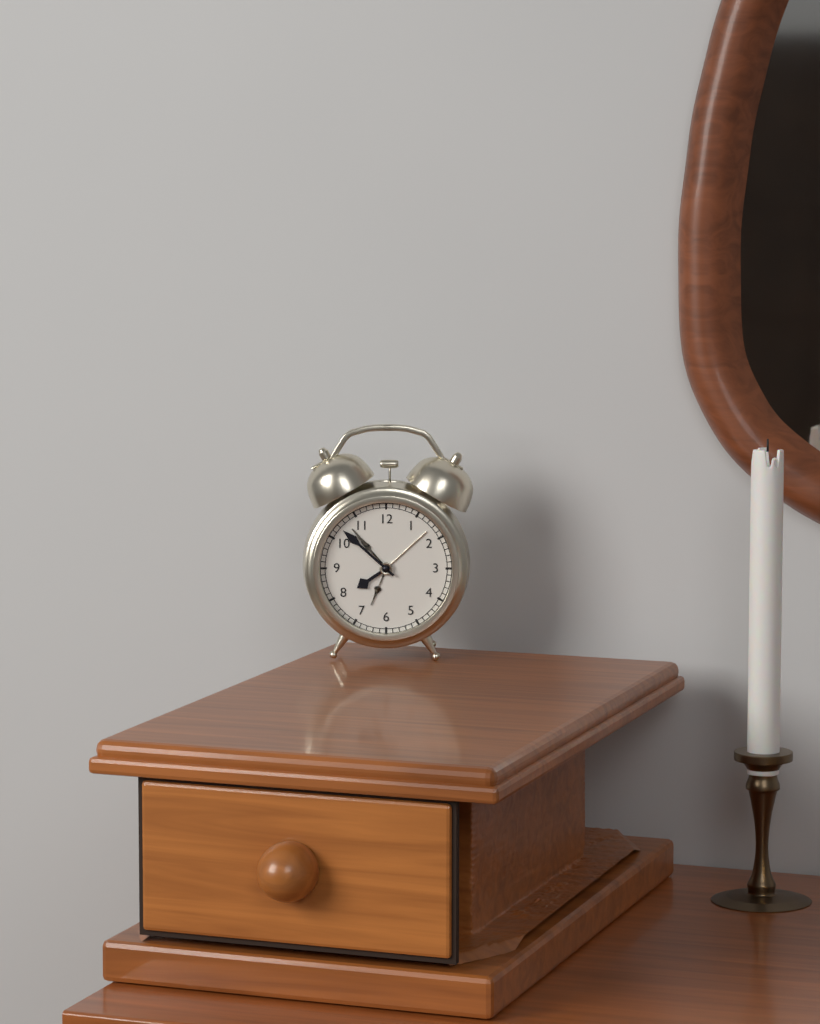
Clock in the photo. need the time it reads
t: 7:52
